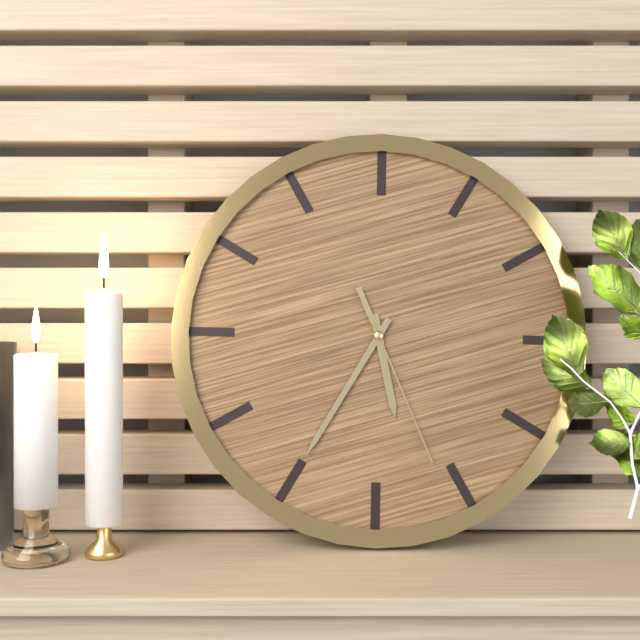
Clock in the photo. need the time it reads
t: 5:35:26
